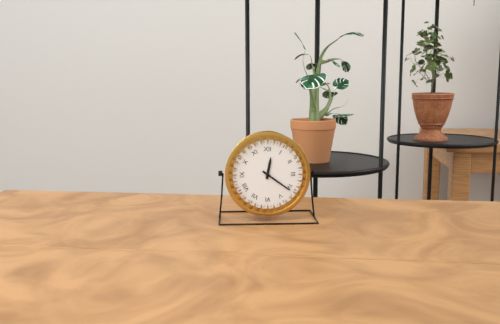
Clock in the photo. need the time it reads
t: 12:21
